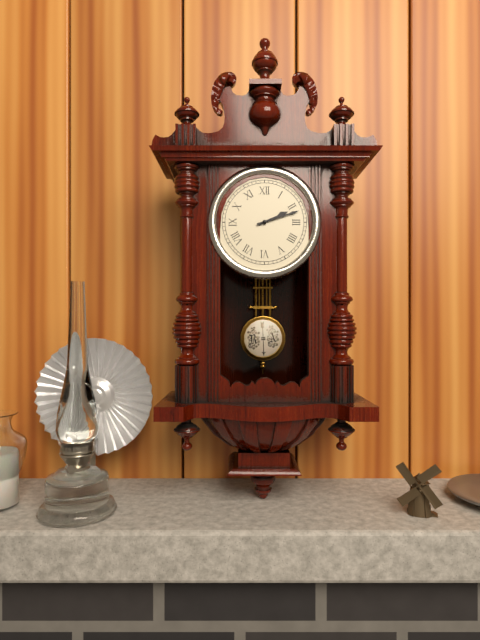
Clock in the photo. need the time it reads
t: 2:12
